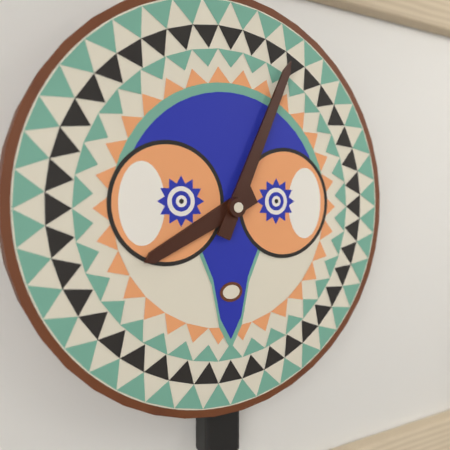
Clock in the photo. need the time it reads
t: 8:04
